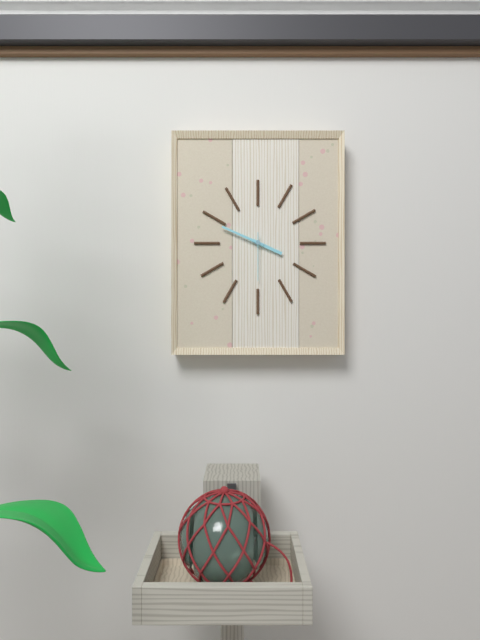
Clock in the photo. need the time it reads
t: 3:49
